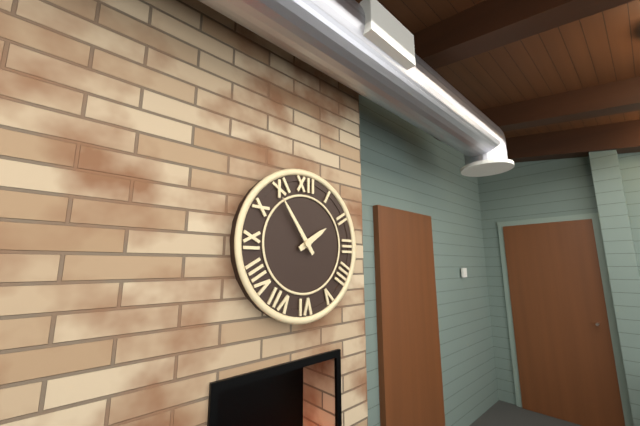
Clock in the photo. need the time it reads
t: 1:54
